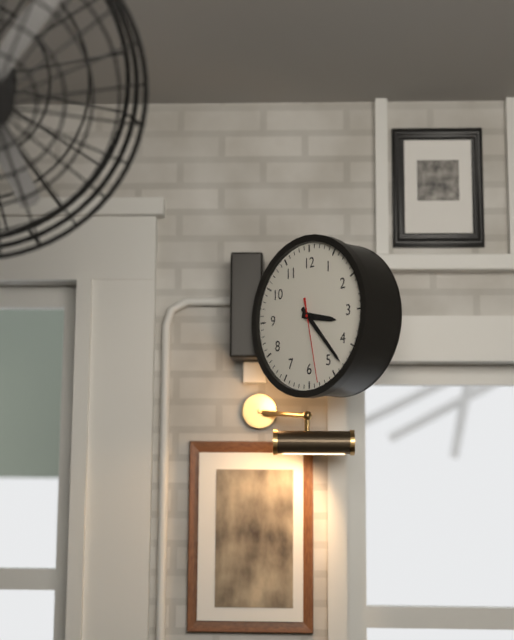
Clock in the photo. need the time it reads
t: 3:23:28
